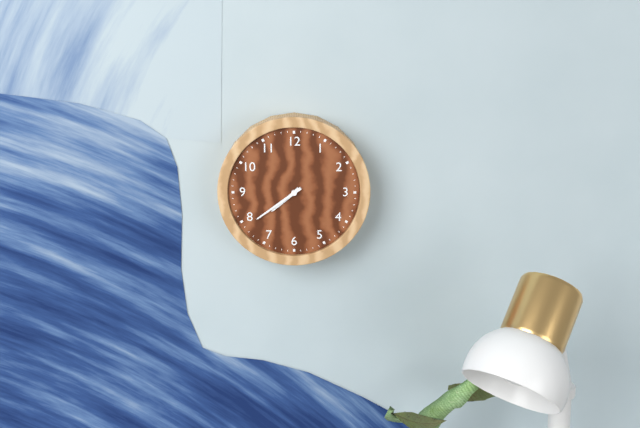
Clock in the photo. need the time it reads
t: 7:39
